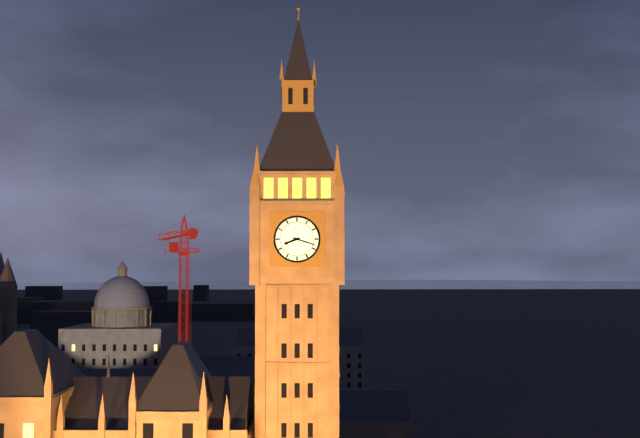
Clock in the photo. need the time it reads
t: 8:18
